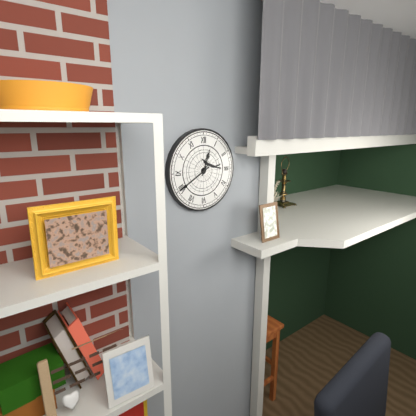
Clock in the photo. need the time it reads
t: 12:40
